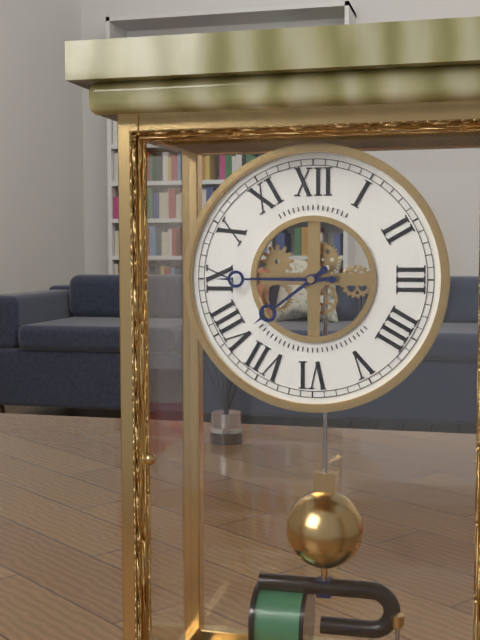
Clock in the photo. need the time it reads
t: 7:45
